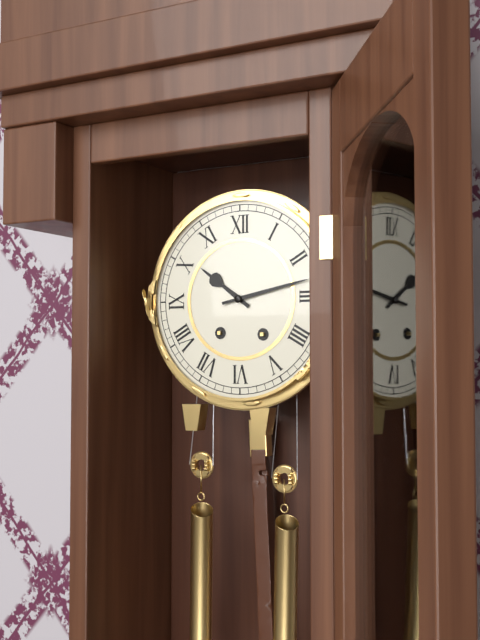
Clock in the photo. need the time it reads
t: 10:13
